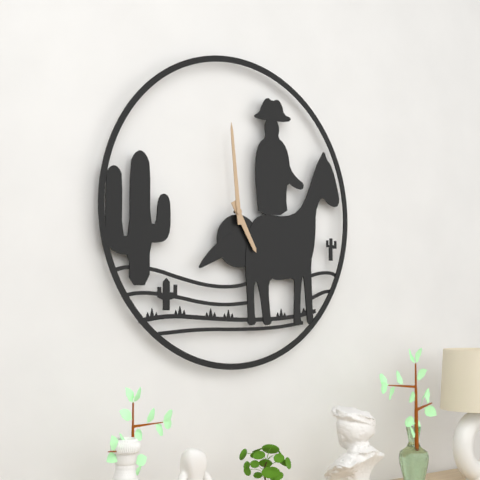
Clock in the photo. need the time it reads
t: 4:59
